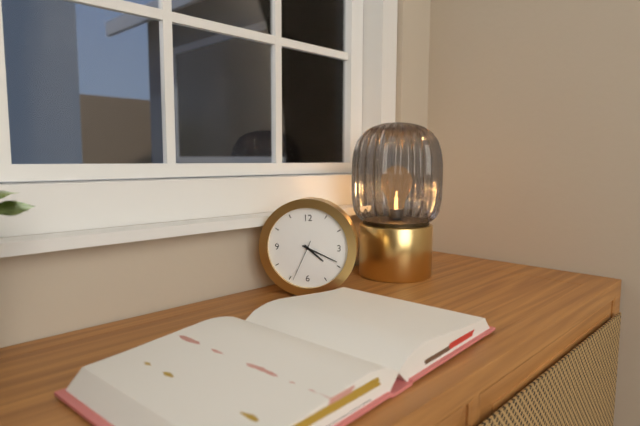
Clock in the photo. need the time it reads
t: 4:19
